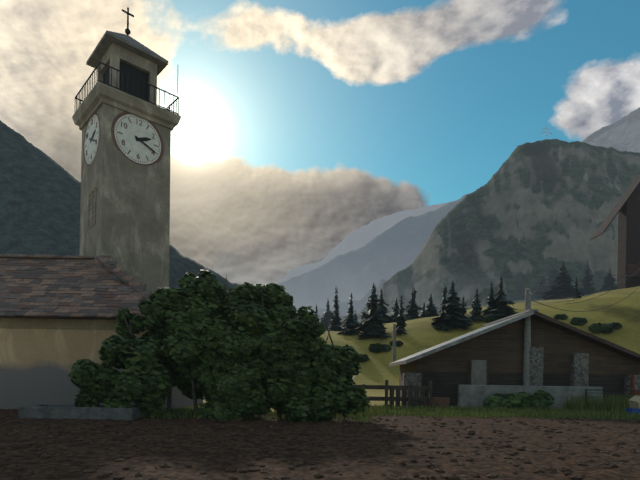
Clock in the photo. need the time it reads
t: 2:19
